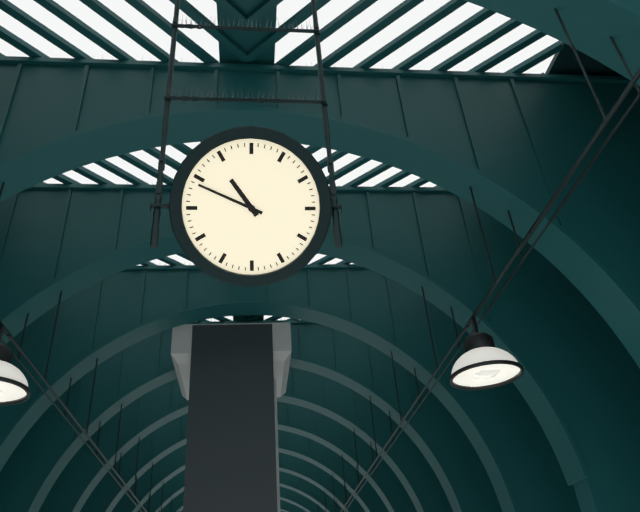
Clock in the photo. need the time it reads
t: 10:49
